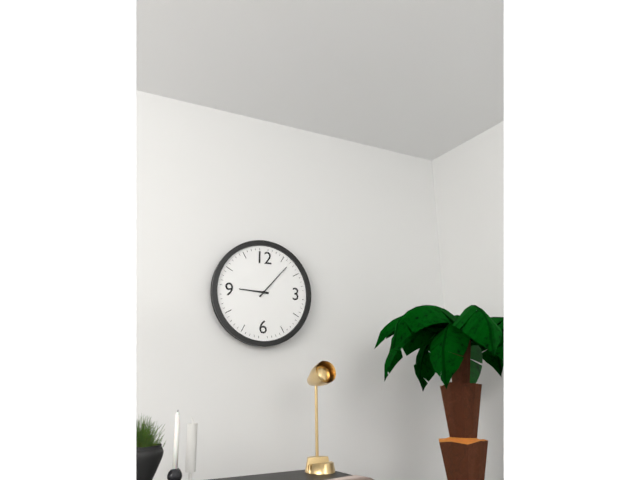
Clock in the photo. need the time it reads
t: 9:07
